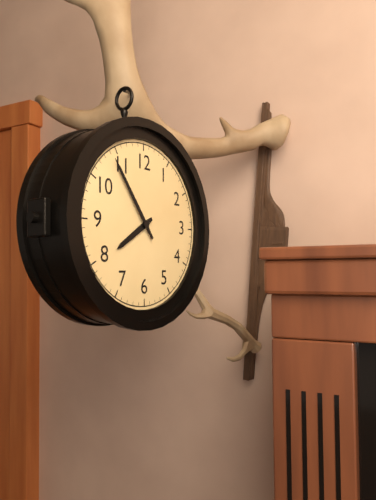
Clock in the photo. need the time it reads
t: 7:54
